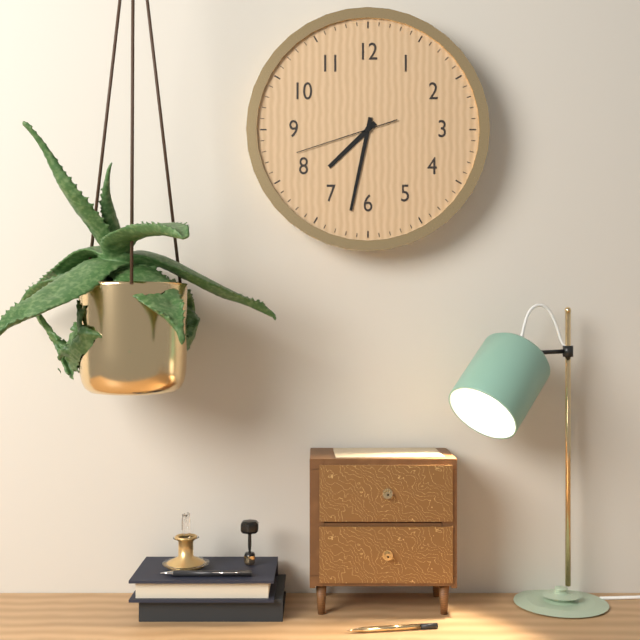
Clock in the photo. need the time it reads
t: 7:32:42
